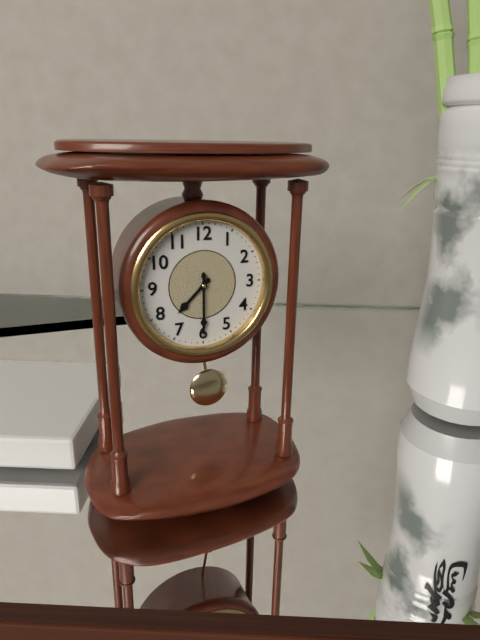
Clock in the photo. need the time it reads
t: 7:30
